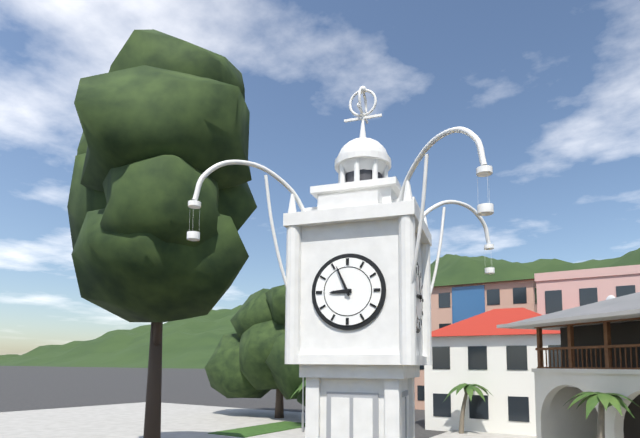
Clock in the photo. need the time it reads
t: 8:56
